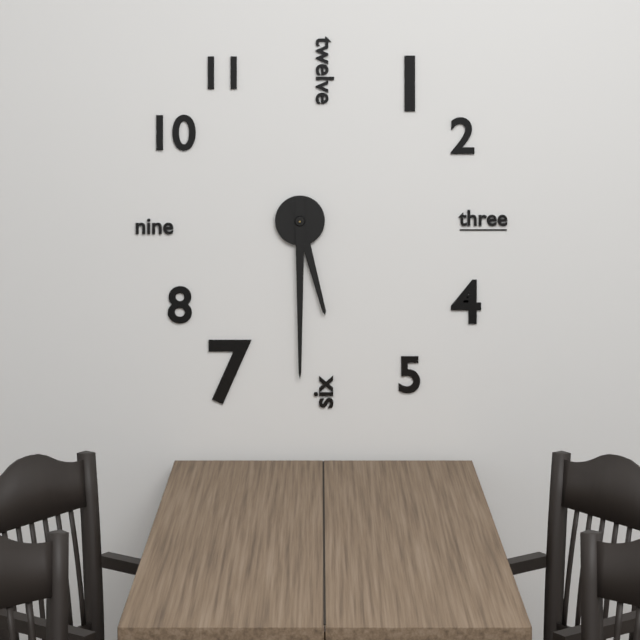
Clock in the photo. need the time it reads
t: 5:30
